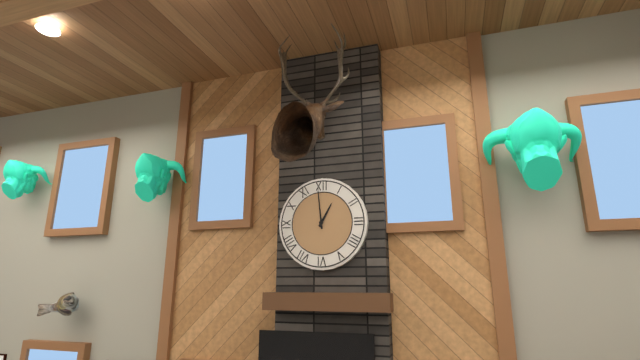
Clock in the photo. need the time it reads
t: 12:59
